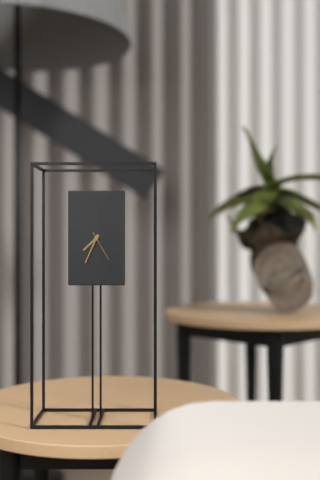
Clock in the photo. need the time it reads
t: 7:34
